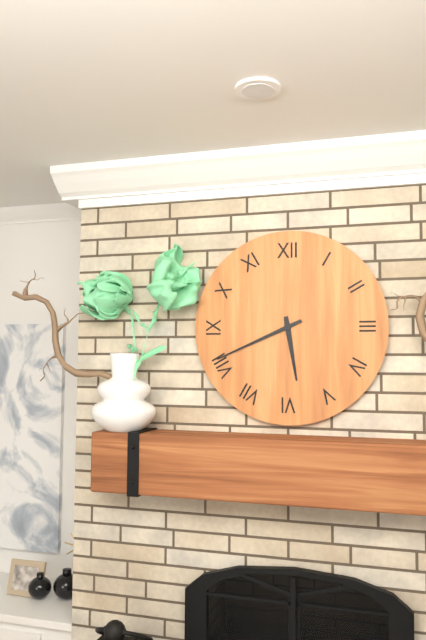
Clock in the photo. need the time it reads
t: 5:41
